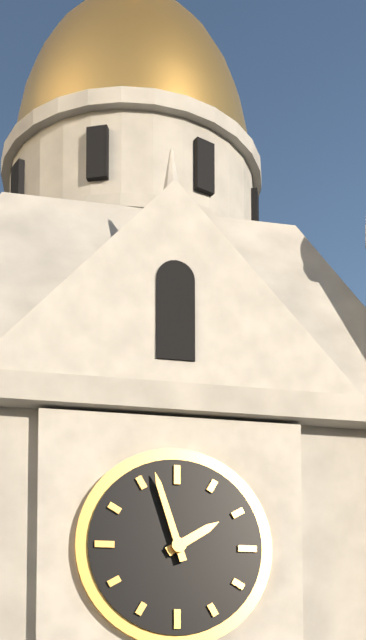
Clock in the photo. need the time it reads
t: 1:57
